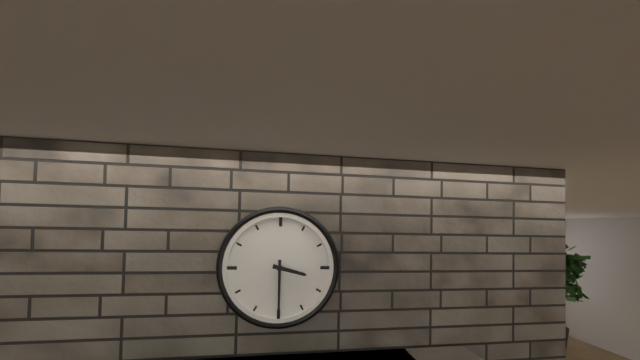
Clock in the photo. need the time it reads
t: 3:30
